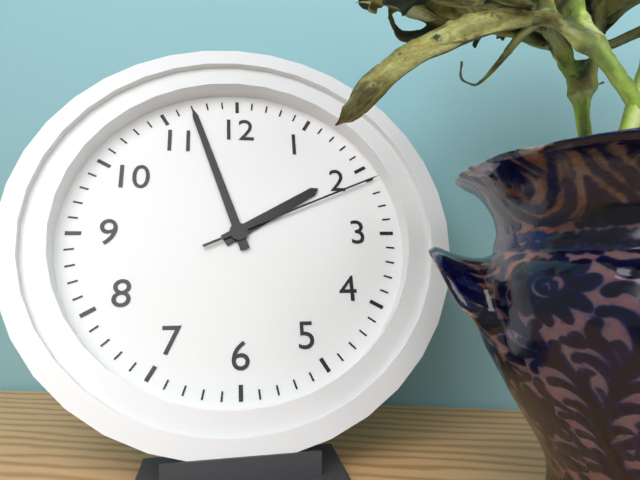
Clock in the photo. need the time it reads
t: 1:57:11
